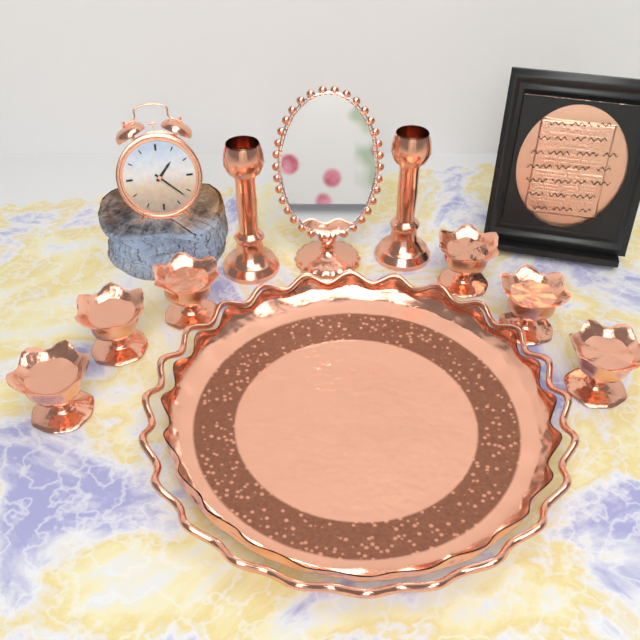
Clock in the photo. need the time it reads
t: 1:22
